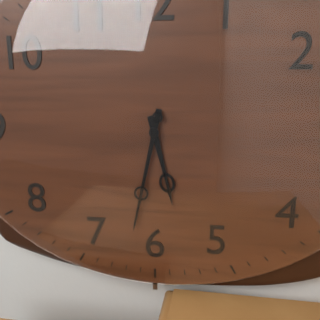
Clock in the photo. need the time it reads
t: 5:32
